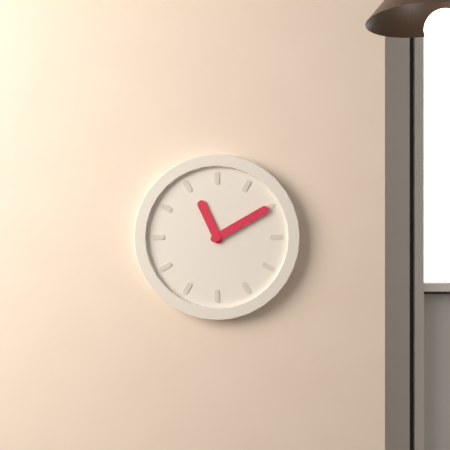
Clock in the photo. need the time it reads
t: 11:10
